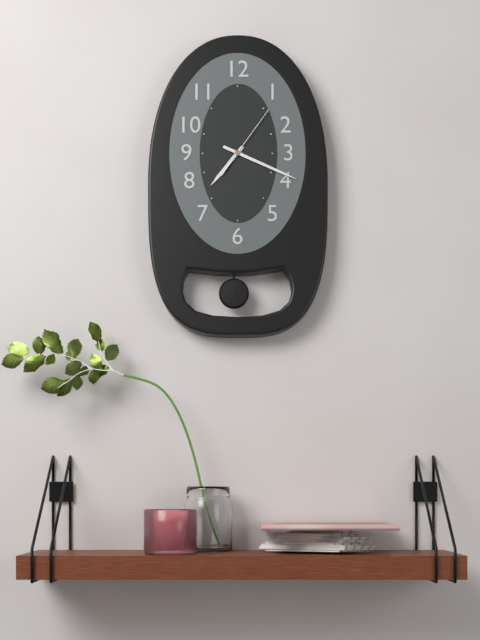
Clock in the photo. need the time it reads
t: 7:19:06
